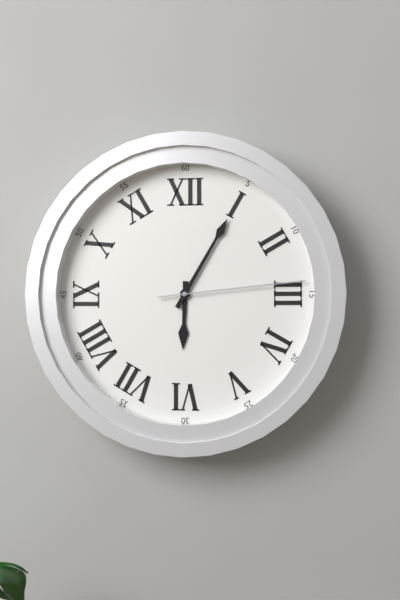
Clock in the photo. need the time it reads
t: 6:05:14
